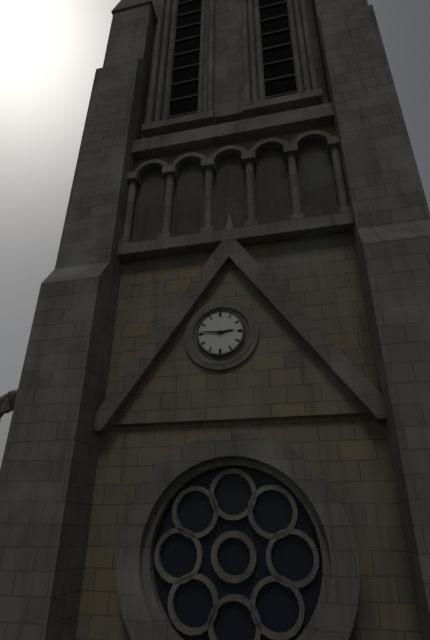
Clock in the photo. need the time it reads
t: 2:46
